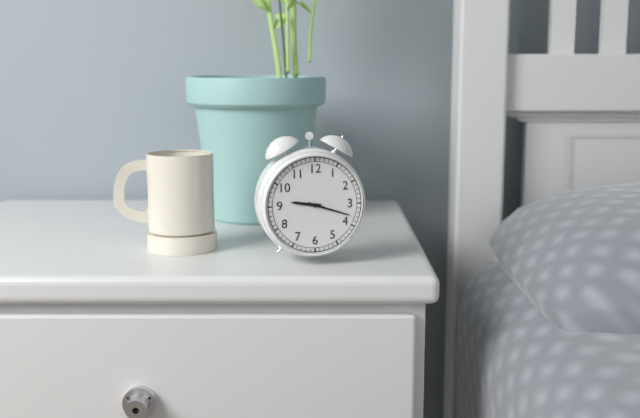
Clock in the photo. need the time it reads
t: 9:18
